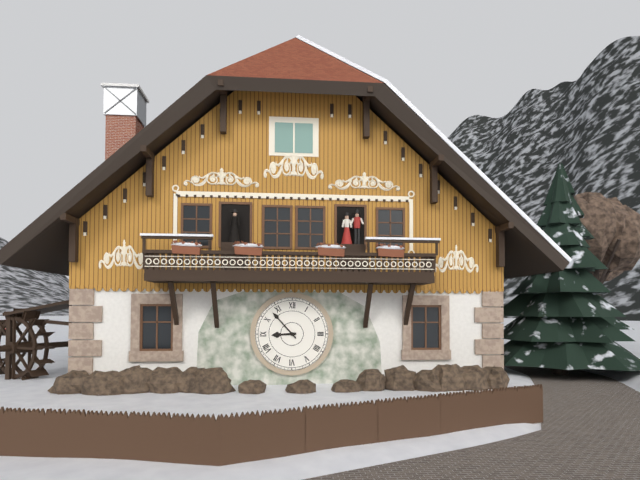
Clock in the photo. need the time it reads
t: 8:53
